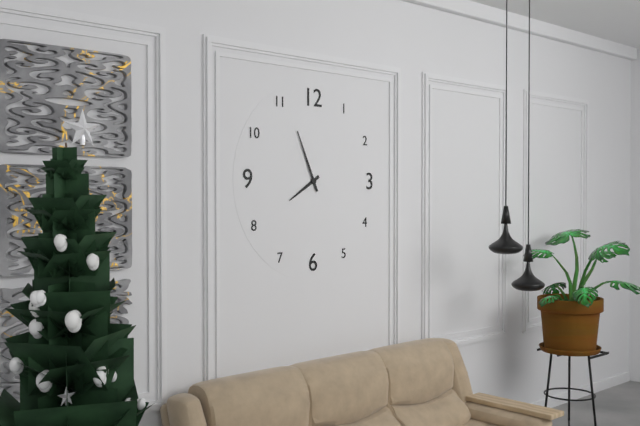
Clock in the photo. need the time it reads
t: 7:56
